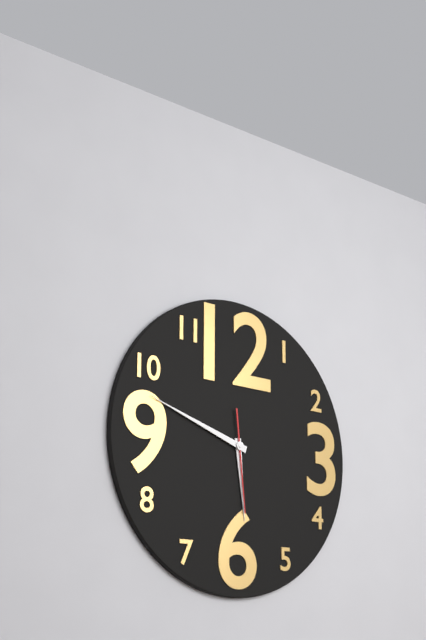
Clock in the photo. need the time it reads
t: 5:48:29
